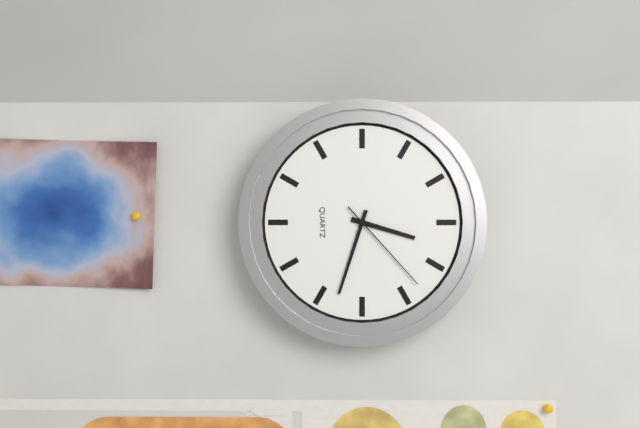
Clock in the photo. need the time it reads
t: 3:33:23
